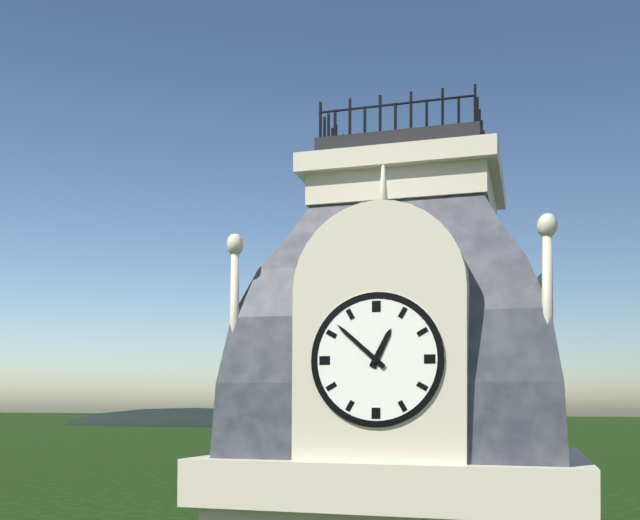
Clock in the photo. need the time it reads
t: 12:52
